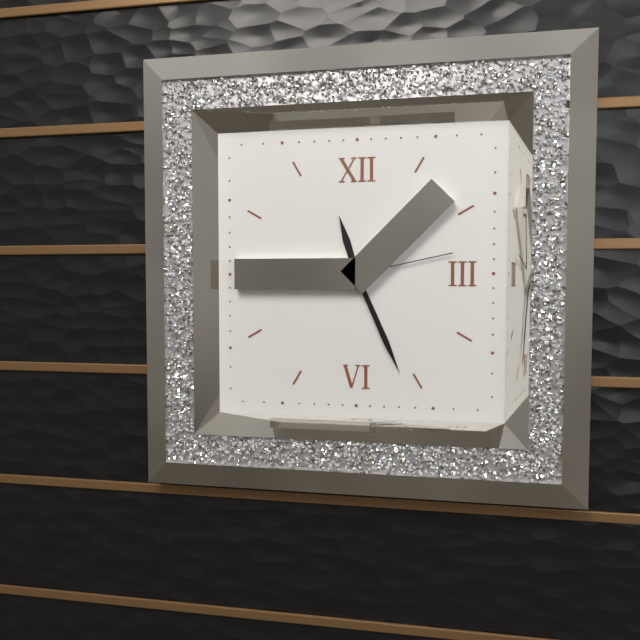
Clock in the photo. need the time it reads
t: 11:26:13
